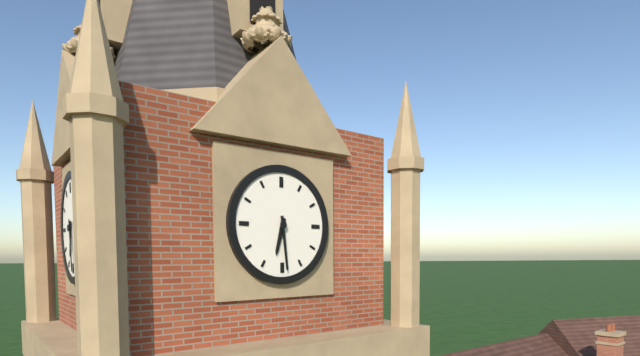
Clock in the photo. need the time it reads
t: 6:29
